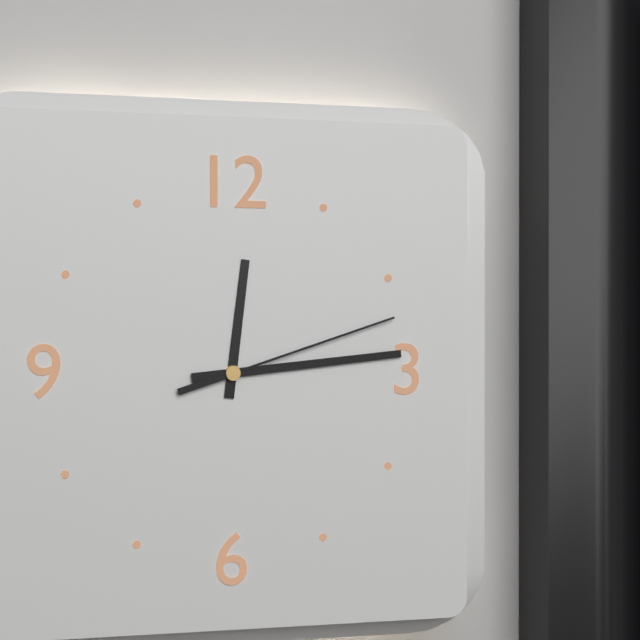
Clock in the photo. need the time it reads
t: 12:14:12
